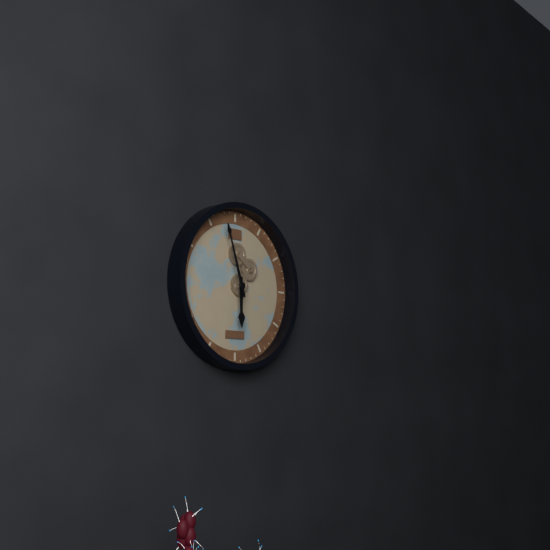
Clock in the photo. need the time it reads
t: 5:57
